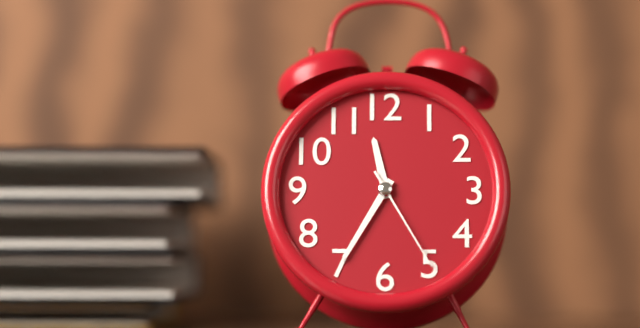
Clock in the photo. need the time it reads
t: 11:35:25
